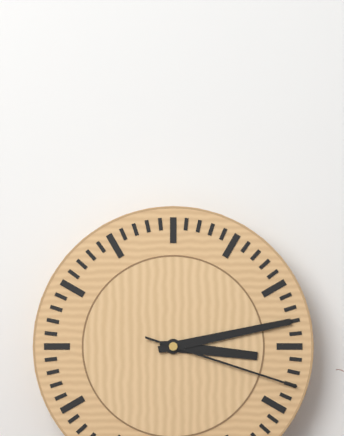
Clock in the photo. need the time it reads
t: 3:13:18
